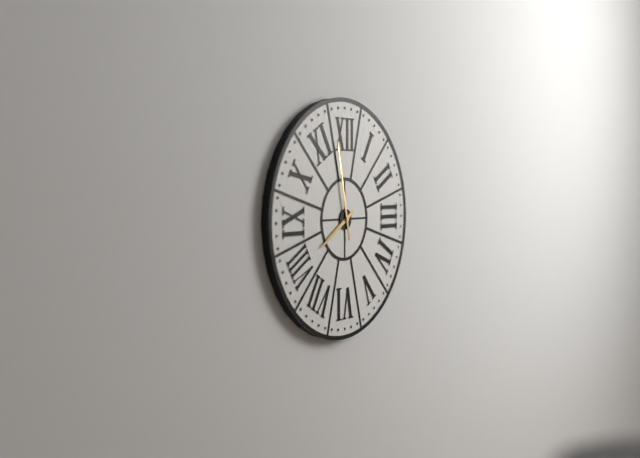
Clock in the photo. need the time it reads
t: 7:58
